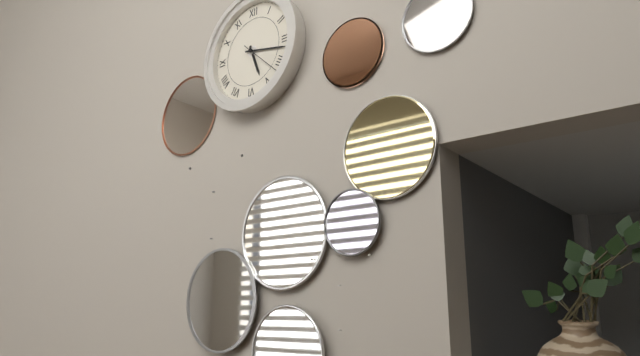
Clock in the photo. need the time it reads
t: 5:17
